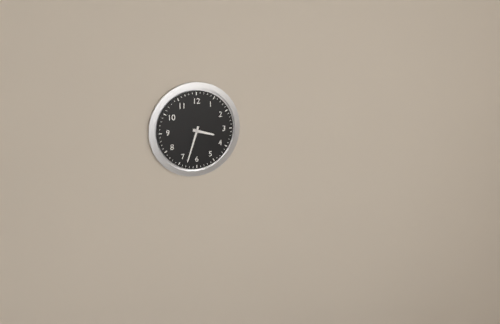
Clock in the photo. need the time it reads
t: 3:33
